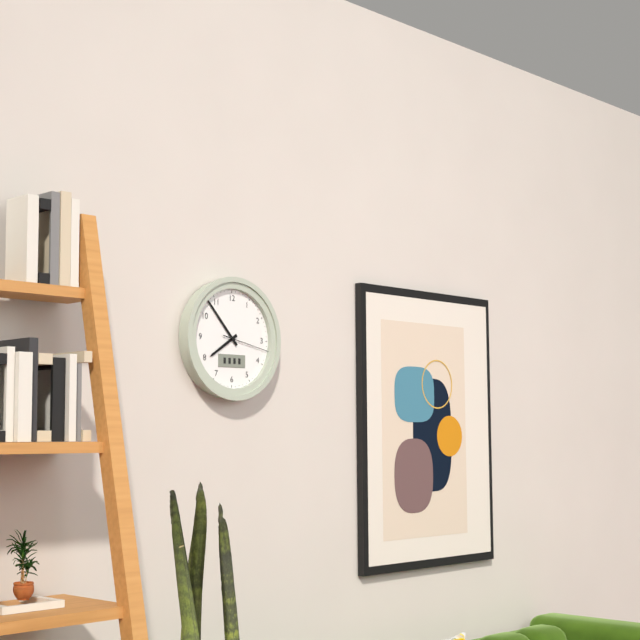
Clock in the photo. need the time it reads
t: 7:53
